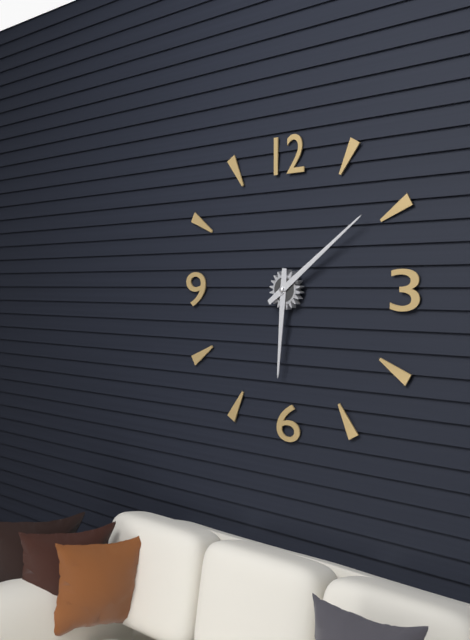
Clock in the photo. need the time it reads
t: 6:09
